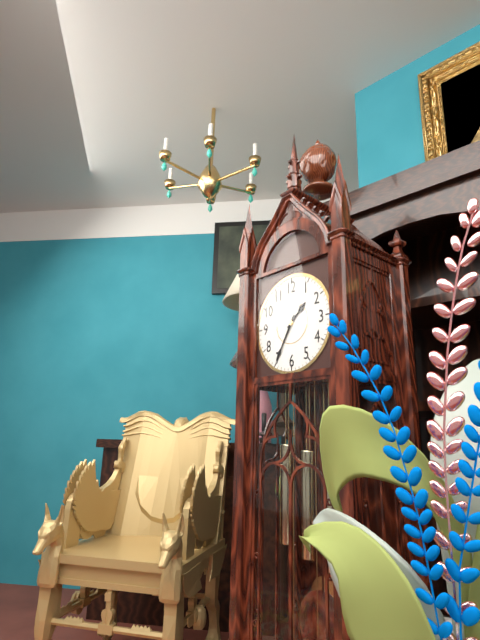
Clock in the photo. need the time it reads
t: 1:35
